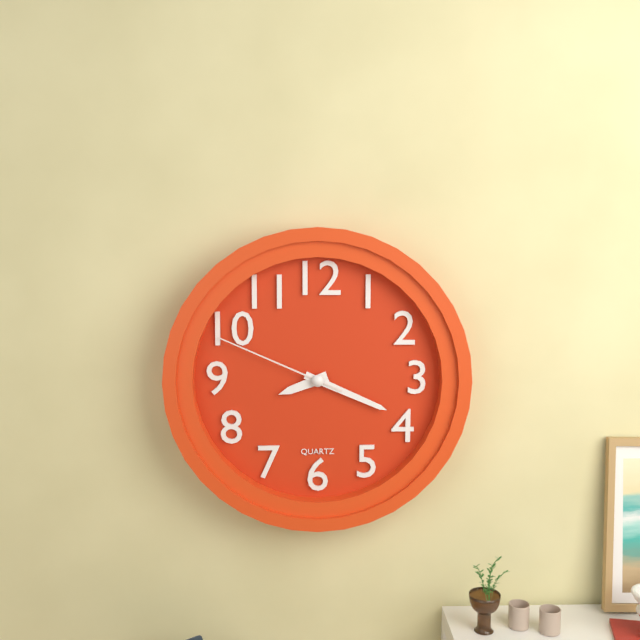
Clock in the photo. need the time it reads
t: 8:19:49
